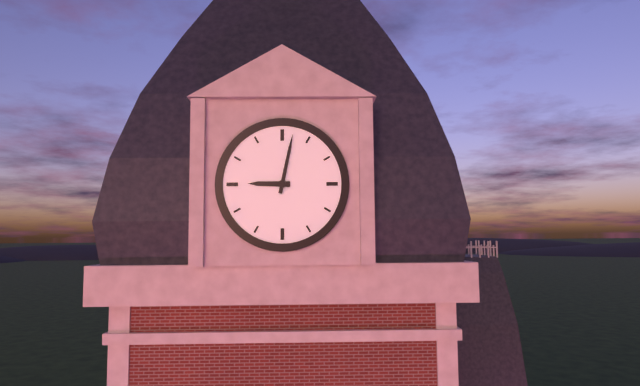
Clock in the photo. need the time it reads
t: 9:02
